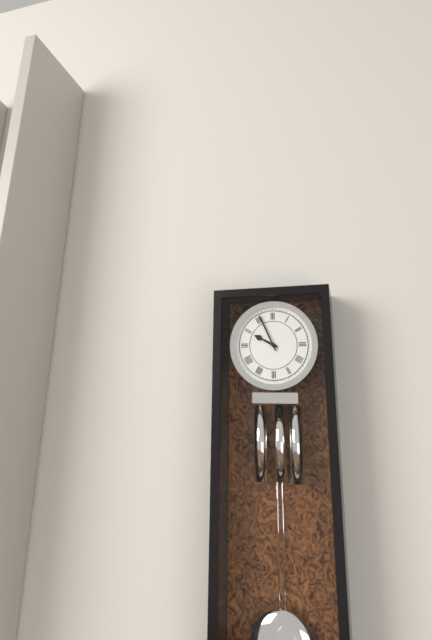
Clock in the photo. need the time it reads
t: 9:56
